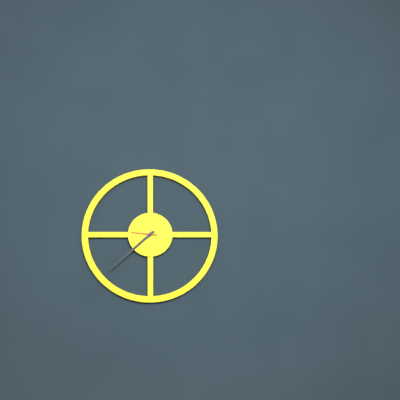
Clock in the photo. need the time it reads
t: 7:38
